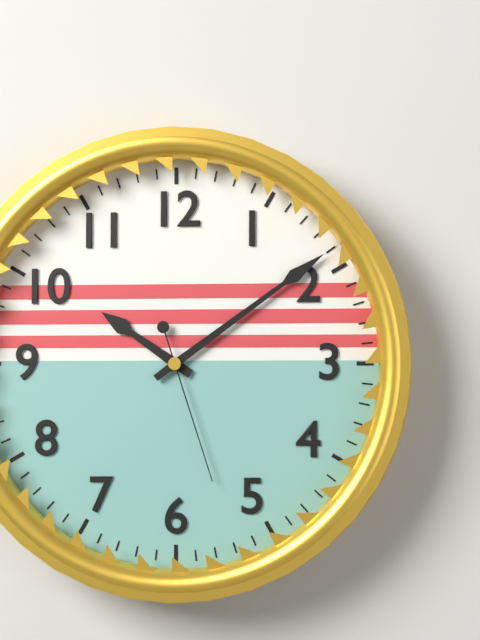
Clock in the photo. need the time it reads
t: 10:09:27
